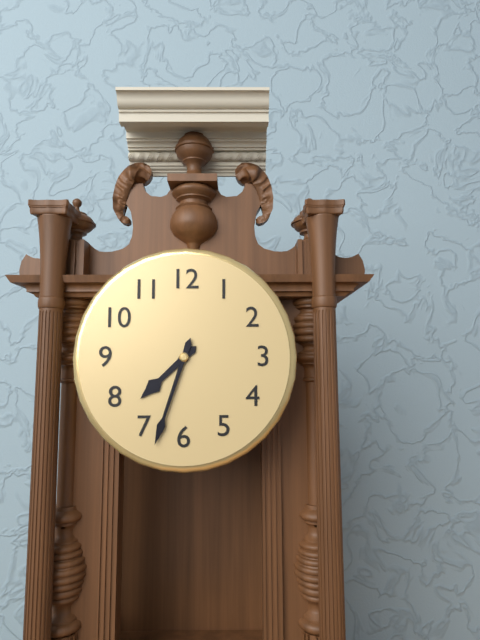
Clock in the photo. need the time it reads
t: 7:33
